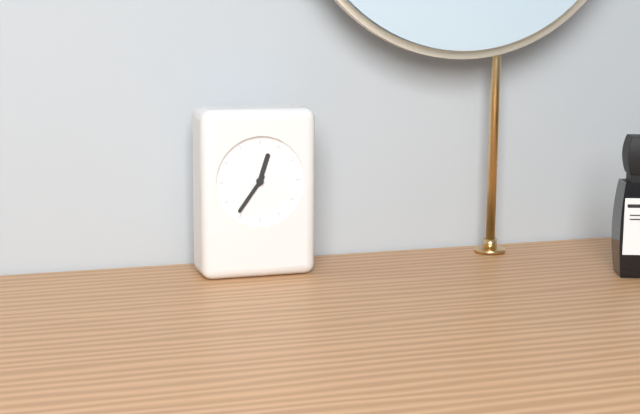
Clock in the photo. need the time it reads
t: 12:36
